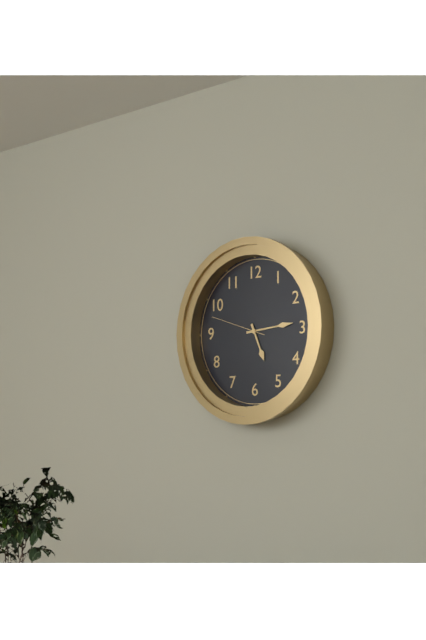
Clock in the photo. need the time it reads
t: 5:14:48
